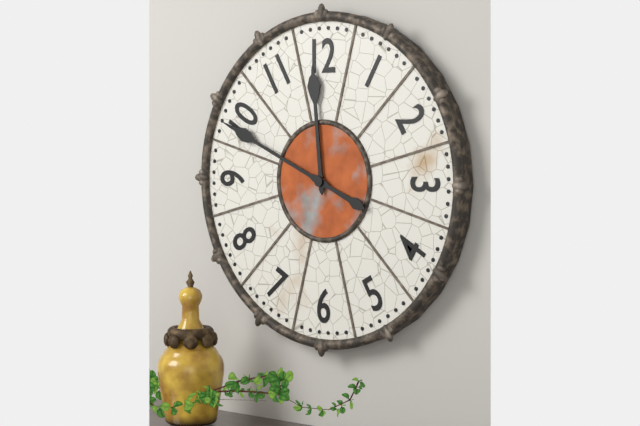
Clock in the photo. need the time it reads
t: 11:49
